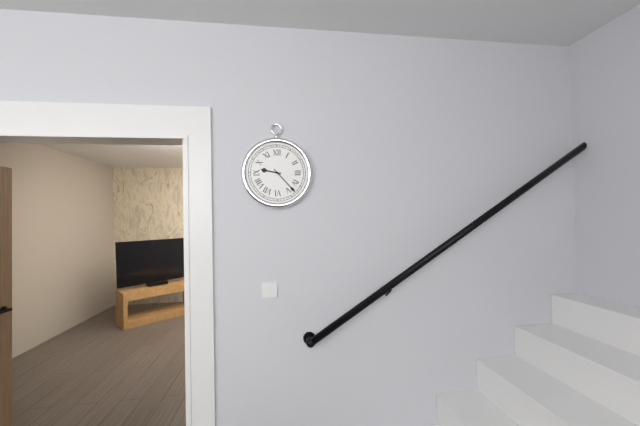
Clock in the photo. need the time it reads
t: 9:23
